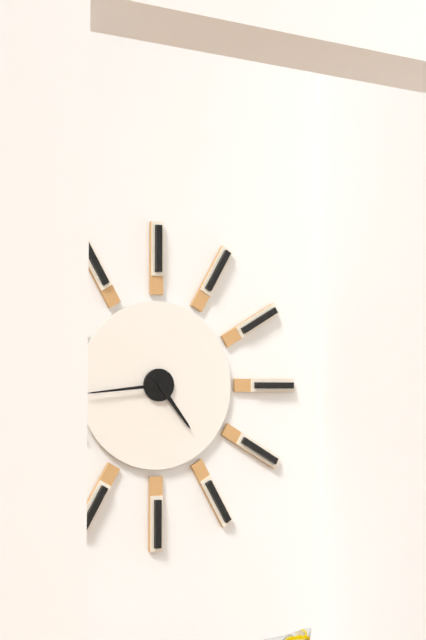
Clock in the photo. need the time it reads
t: 4:44
